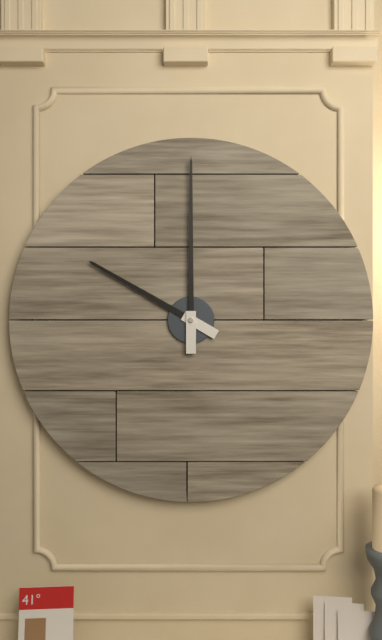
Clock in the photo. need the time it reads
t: 10:00
